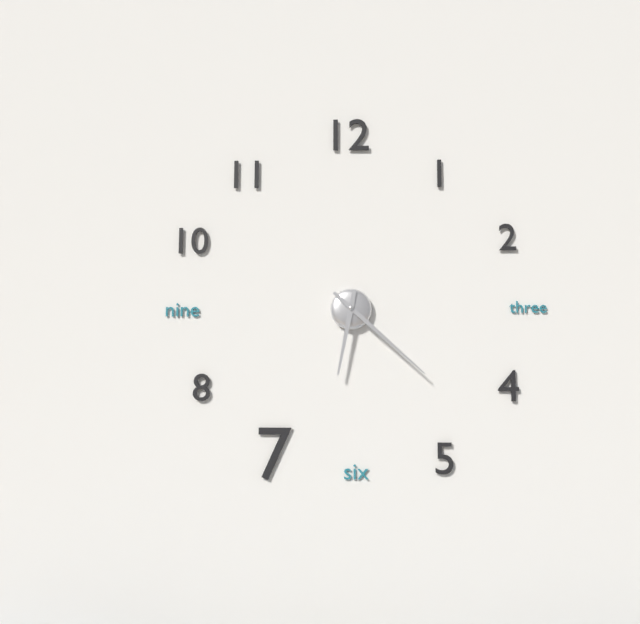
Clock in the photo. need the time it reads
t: 6:22
